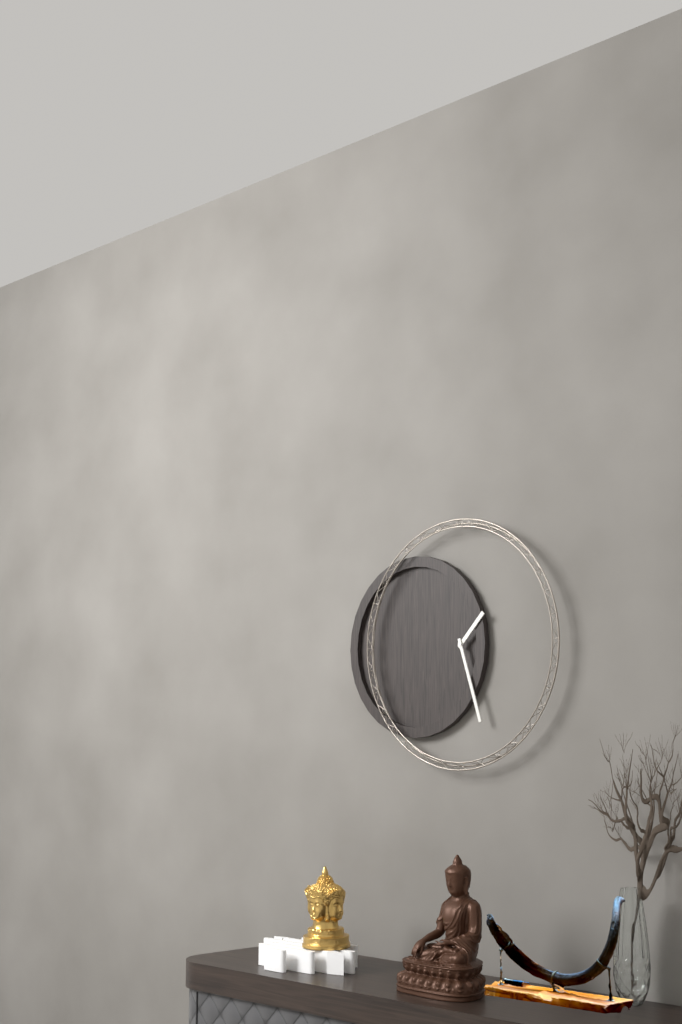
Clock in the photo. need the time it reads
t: 1:27
